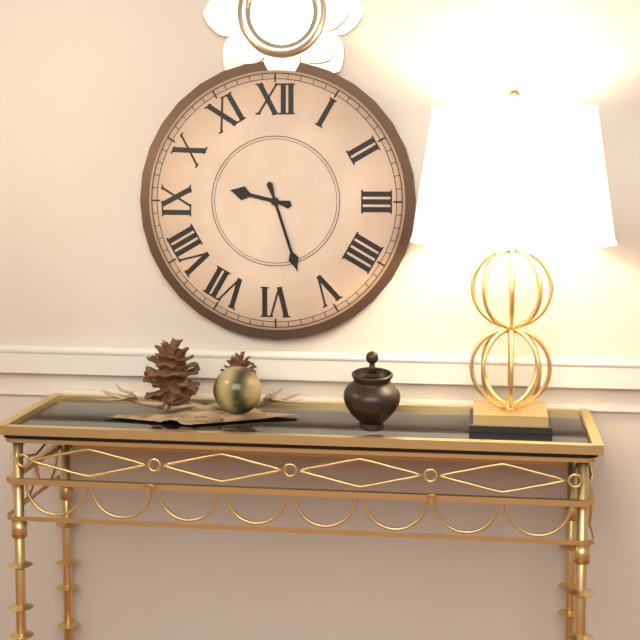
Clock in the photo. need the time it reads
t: 9:27
